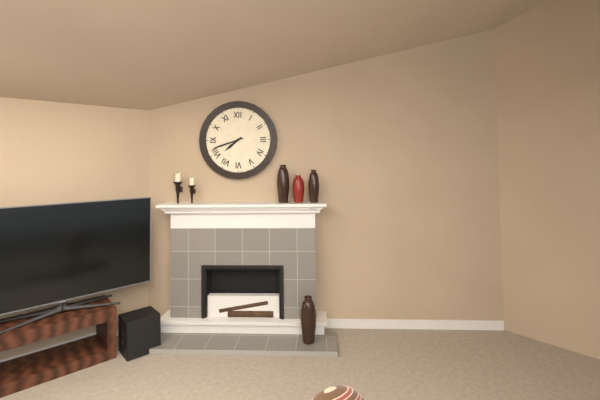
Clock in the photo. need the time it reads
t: 7:42
